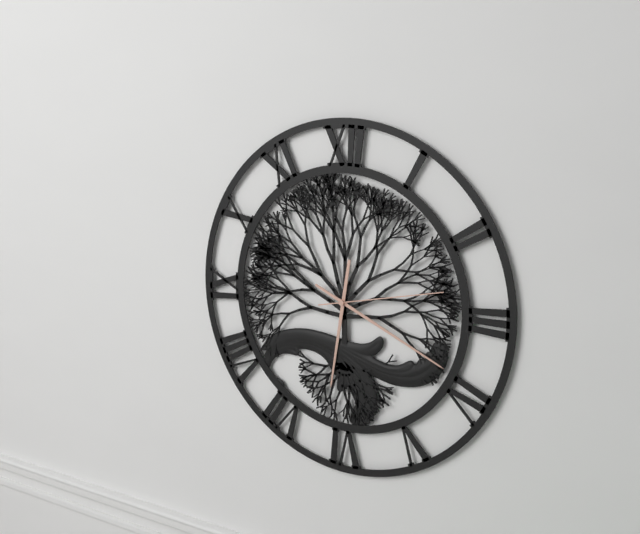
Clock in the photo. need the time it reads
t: 6:19:13
